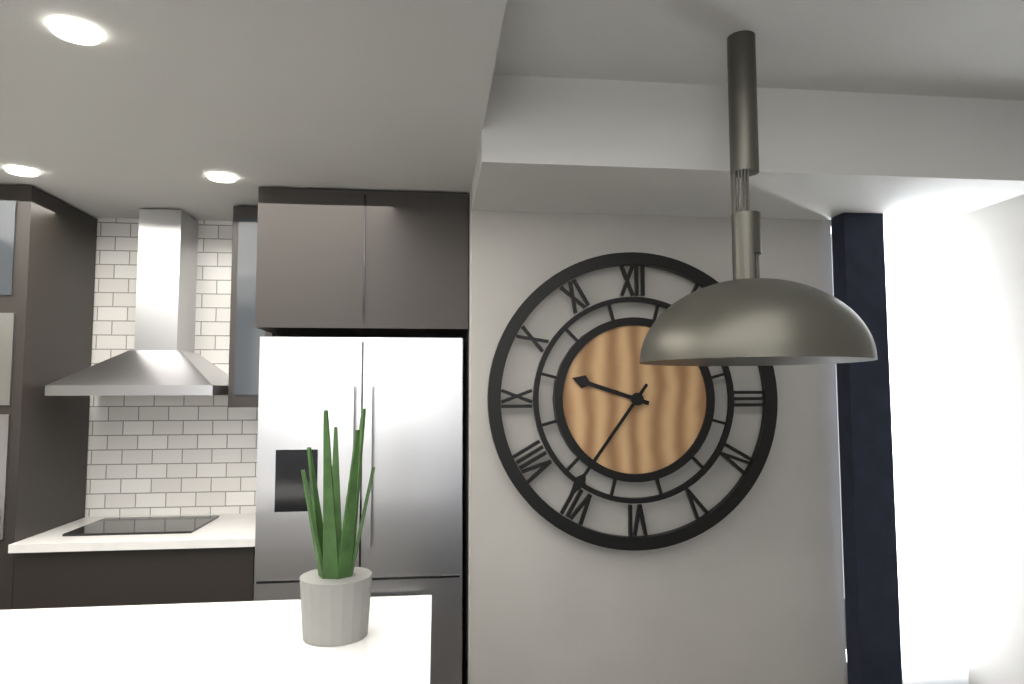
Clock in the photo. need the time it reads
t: 9:36
